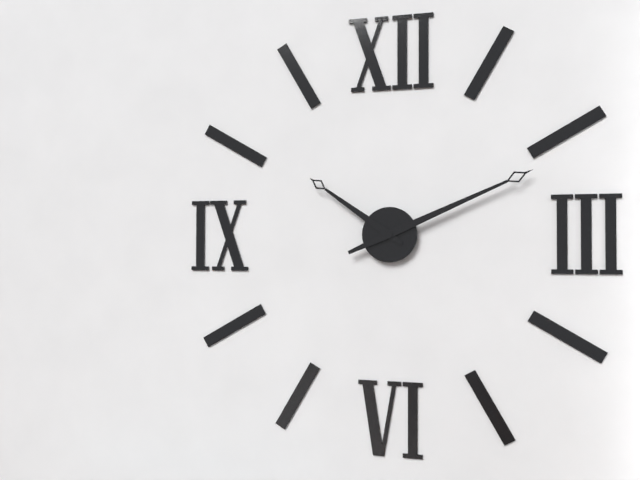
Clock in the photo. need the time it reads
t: 10:11
